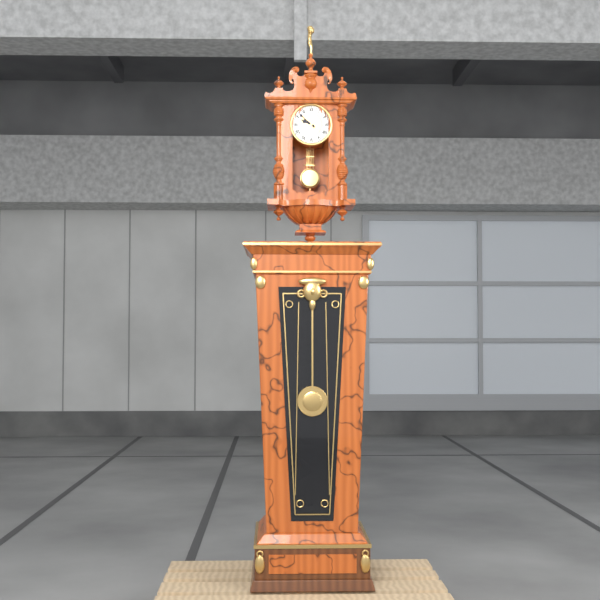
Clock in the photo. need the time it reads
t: 9:52
